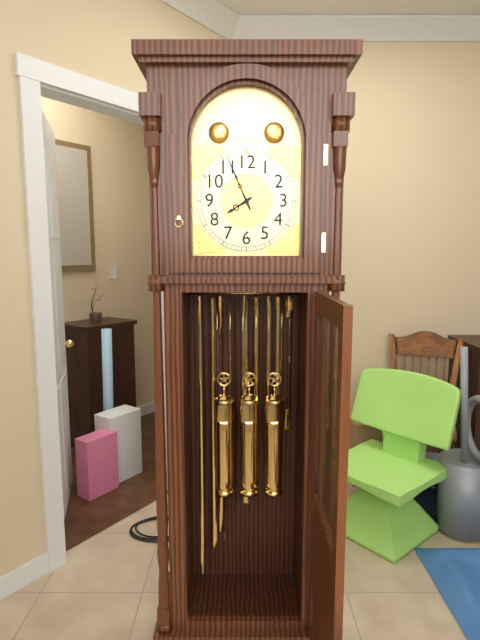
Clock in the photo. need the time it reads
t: 7:56
